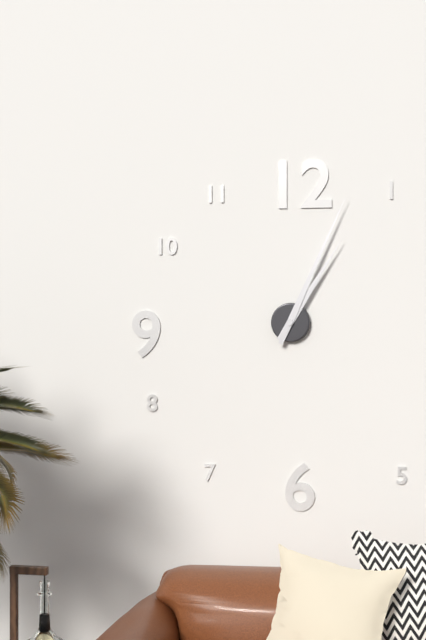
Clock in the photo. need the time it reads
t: 1:04
